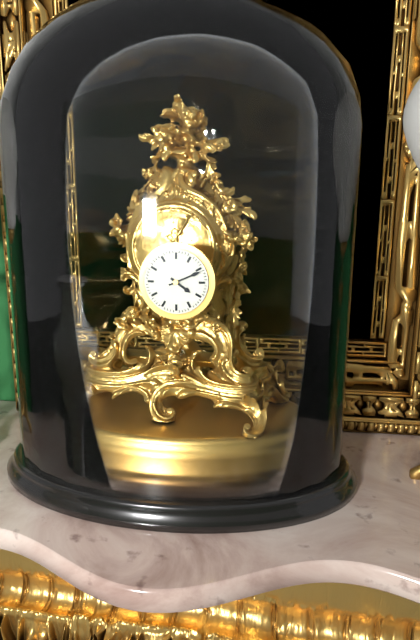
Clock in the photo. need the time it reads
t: 4:11
